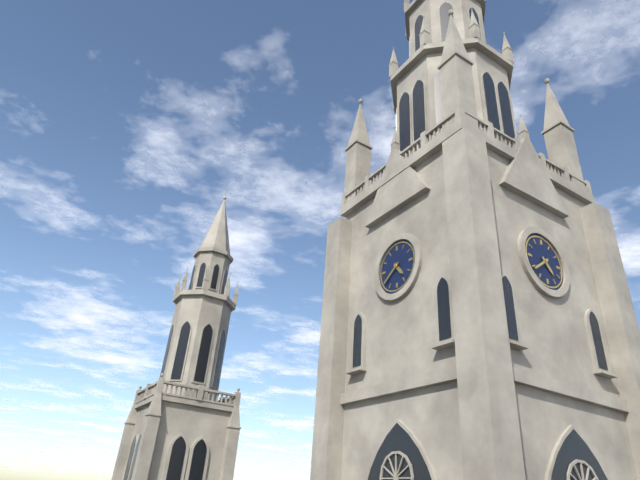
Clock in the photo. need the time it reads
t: 4:39
